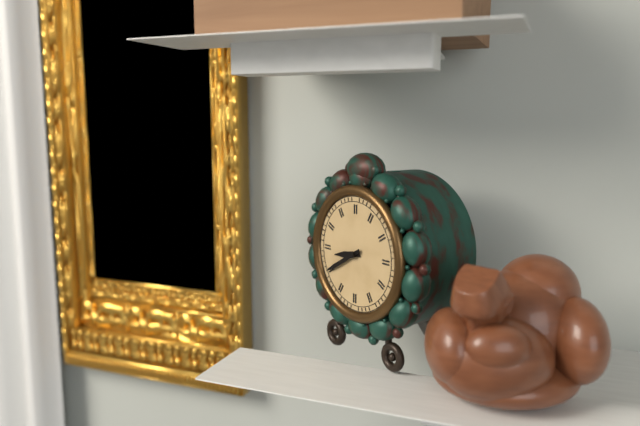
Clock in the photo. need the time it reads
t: 8:40
